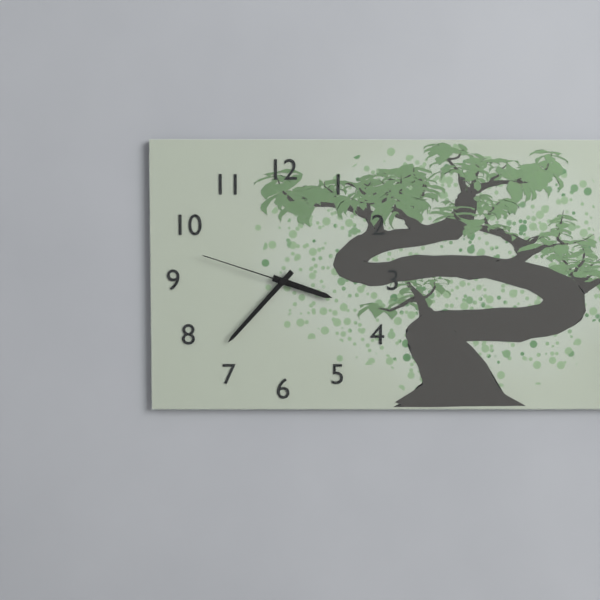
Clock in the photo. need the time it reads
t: 3:37:48
